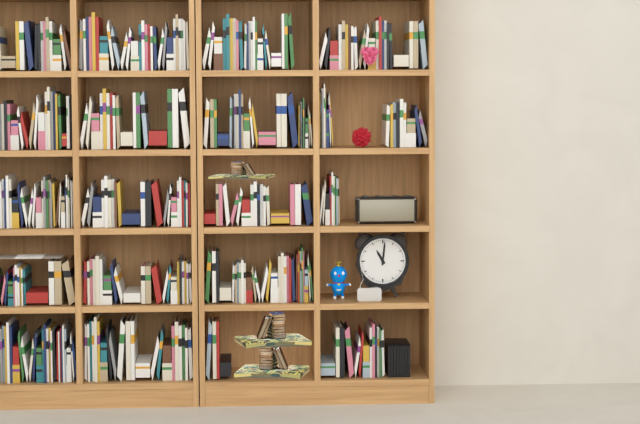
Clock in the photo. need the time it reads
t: 11:01
